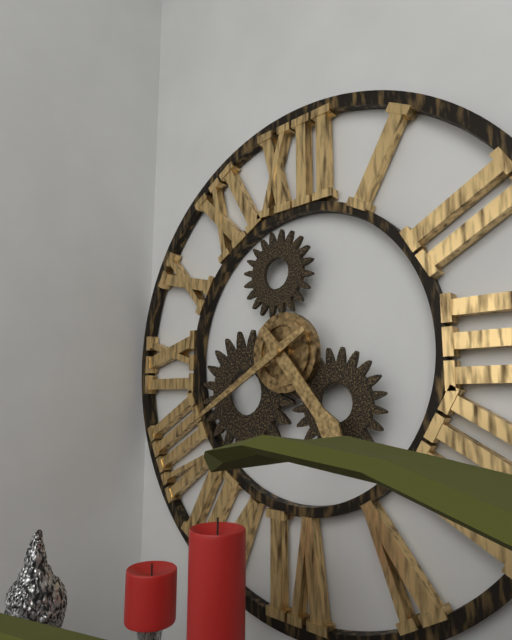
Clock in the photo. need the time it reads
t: 4:40
